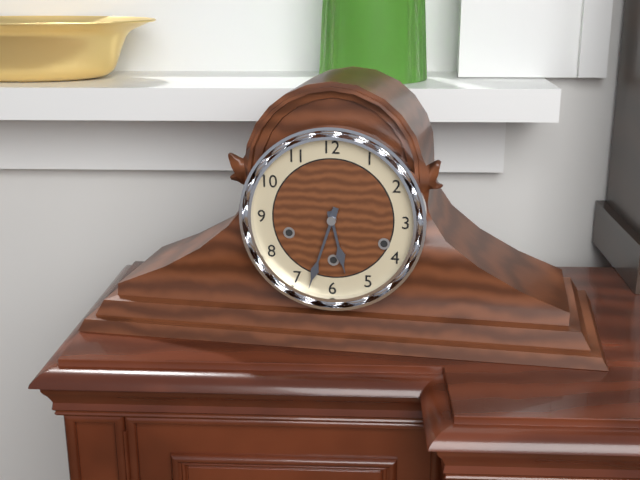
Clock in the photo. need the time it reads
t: 5:33
